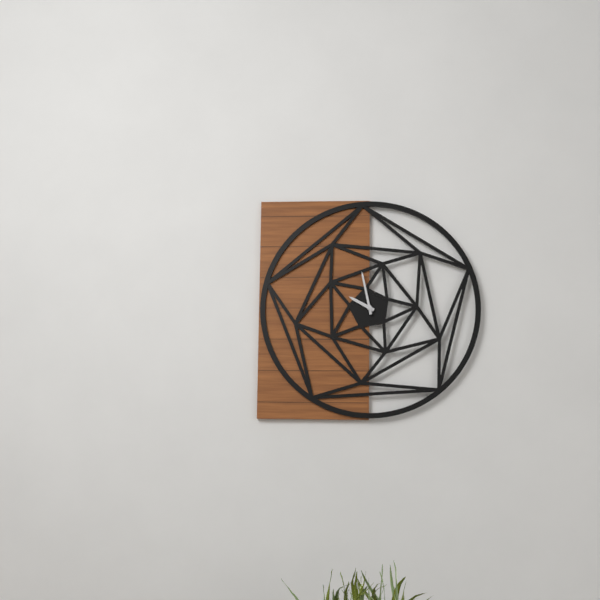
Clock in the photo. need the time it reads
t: 9:58
